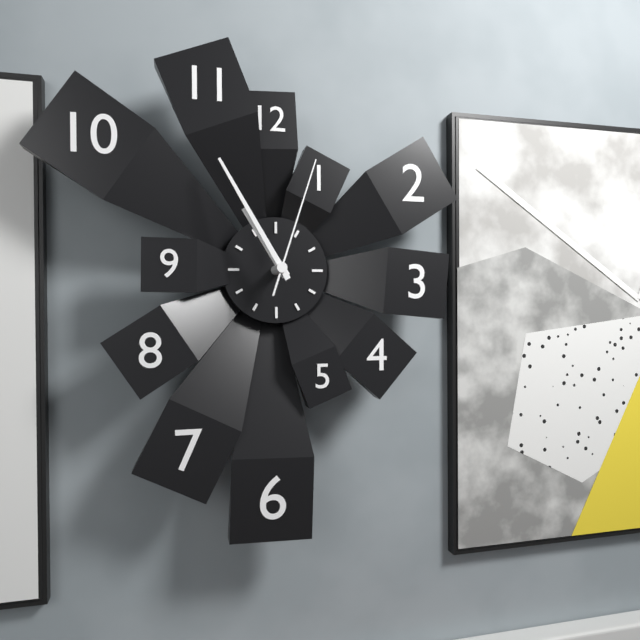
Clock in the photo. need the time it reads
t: 10:55:03
